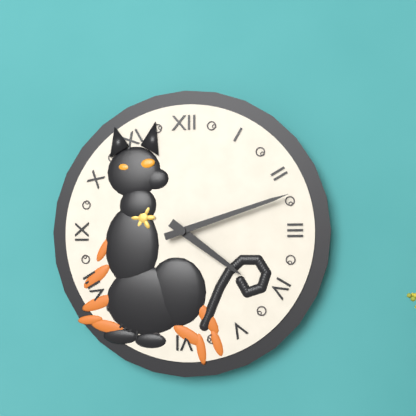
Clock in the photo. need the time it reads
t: 4:12
